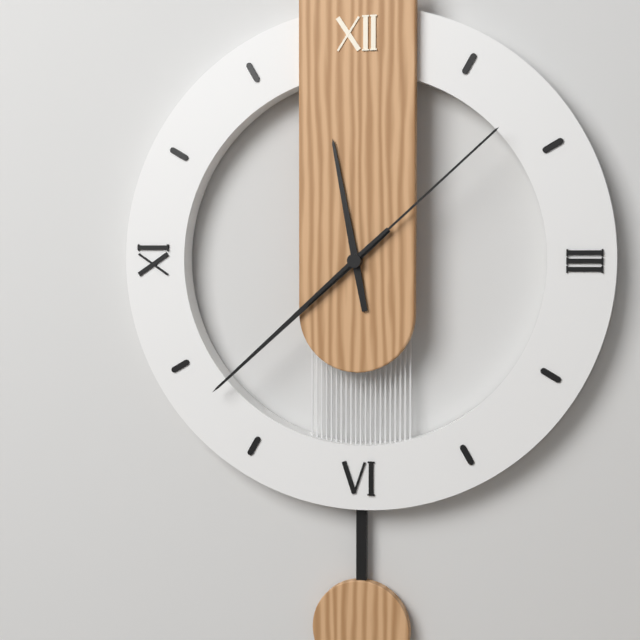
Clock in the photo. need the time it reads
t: 11:38:08
